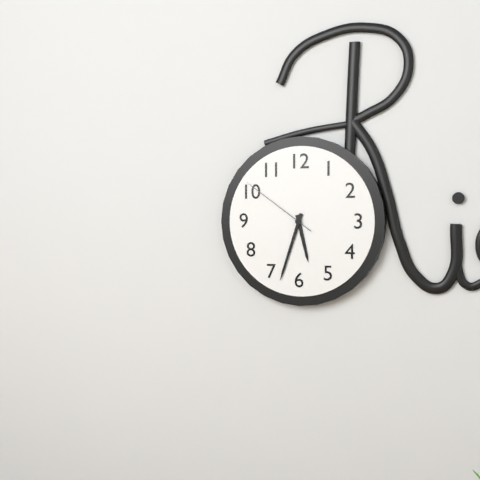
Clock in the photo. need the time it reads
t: 5:33:51
